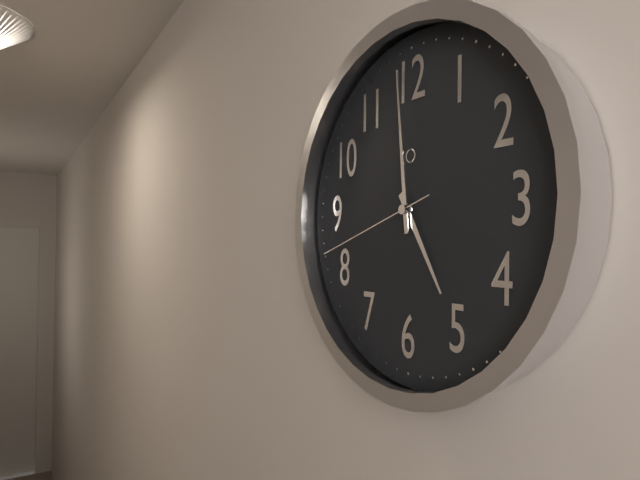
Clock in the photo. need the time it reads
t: 4:59:42
